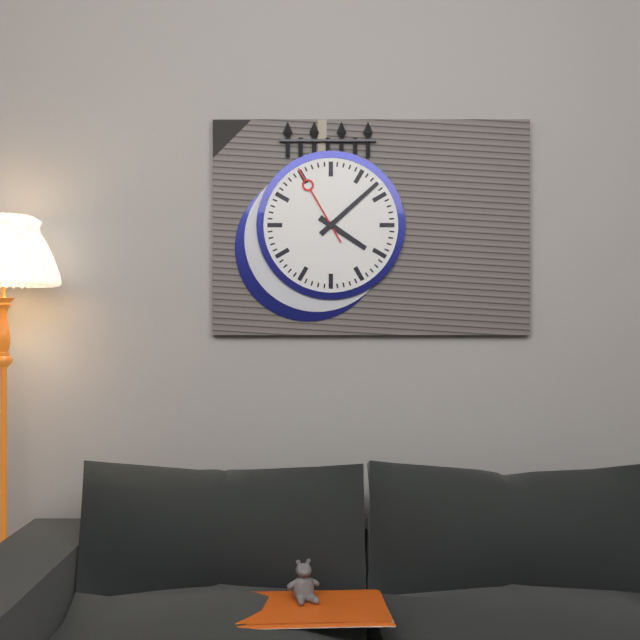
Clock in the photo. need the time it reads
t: 4:08:55
